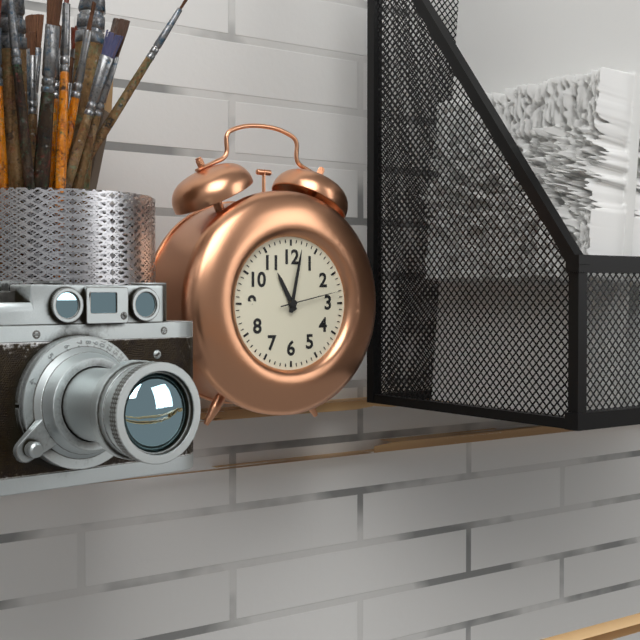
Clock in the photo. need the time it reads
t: 11:02:13
